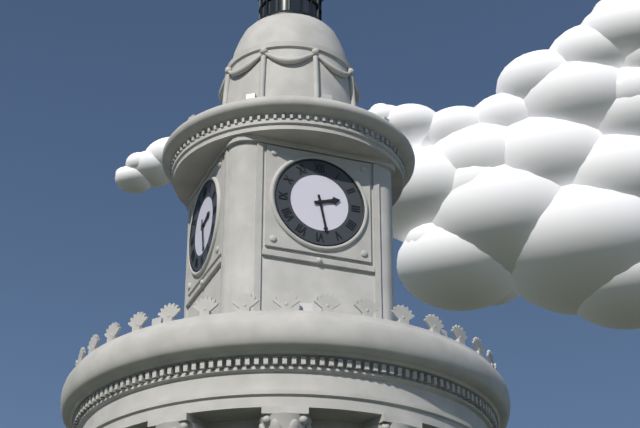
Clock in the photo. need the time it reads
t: 2:28
